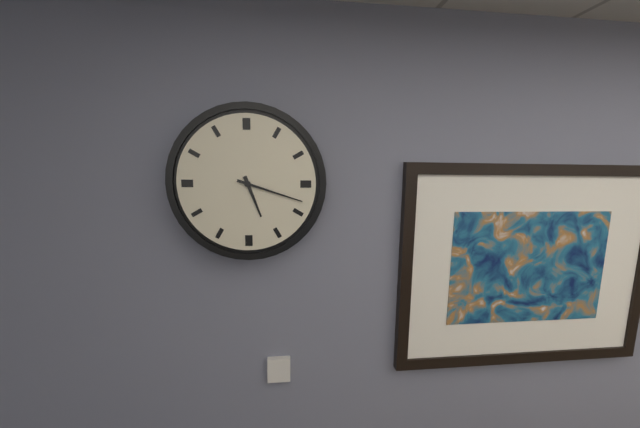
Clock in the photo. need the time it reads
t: 5:18
